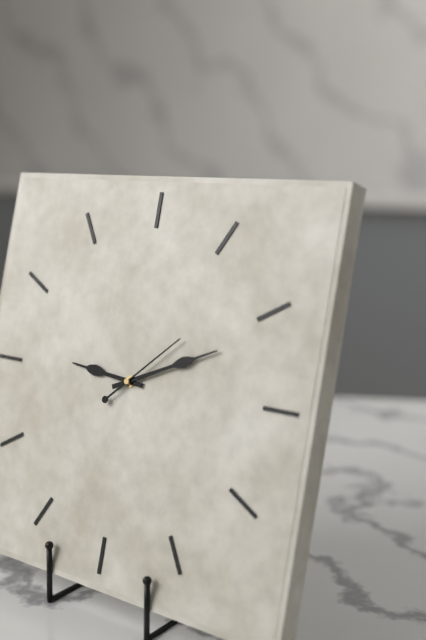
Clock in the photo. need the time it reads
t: 9:11:08
